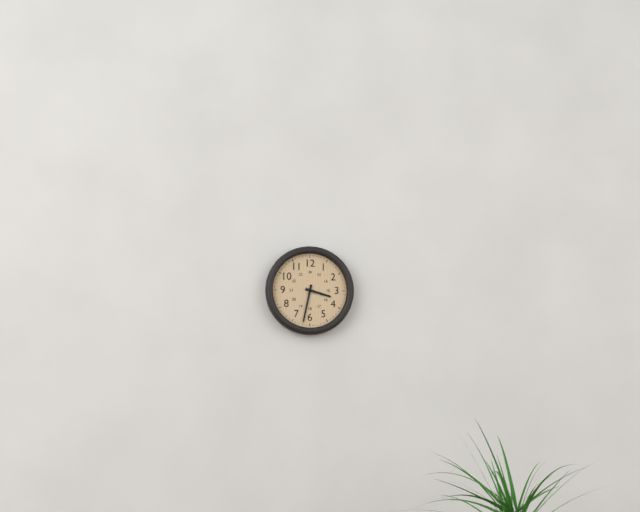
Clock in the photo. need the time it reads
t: 3:32
